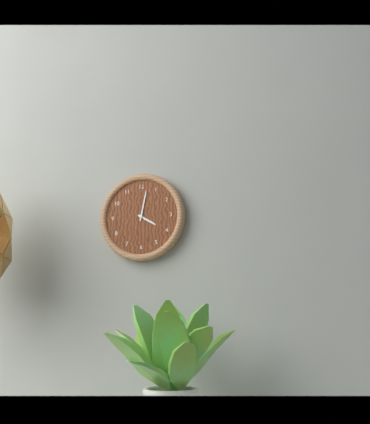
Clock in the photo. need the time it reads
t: 4:02
